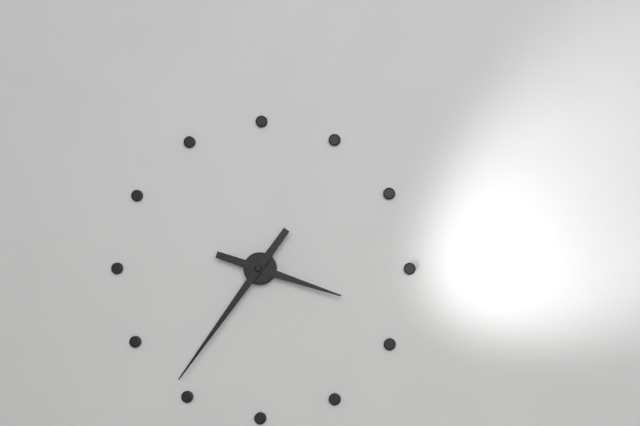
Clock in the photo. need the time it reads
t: 3:36
